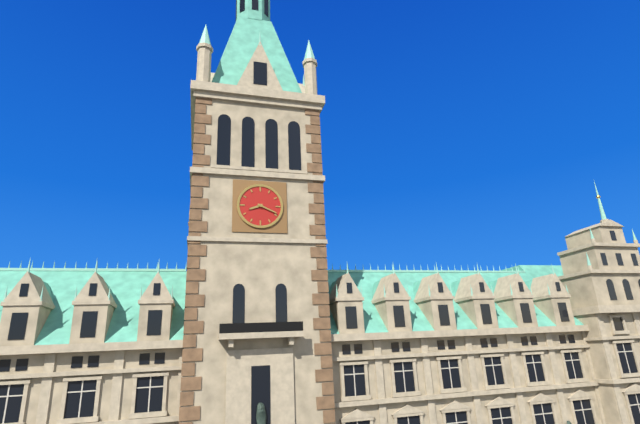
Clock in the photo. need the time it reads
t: 8:19
